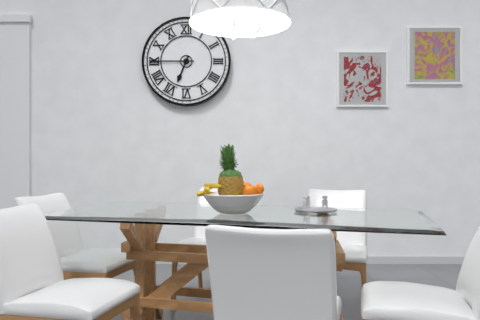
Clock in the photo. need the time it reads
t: 6:45
